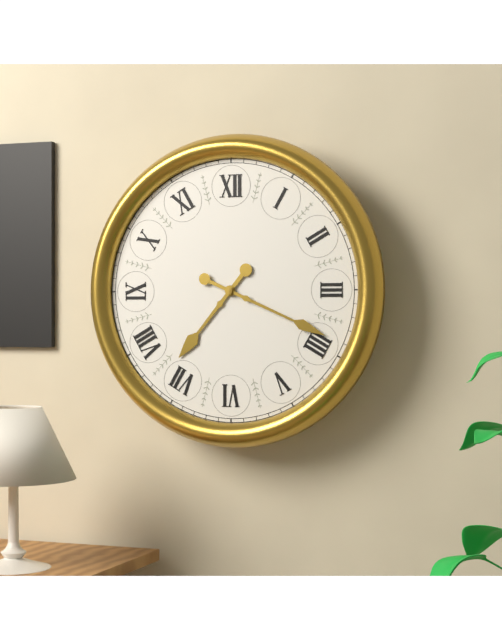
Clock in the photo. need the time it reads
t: 7:19
